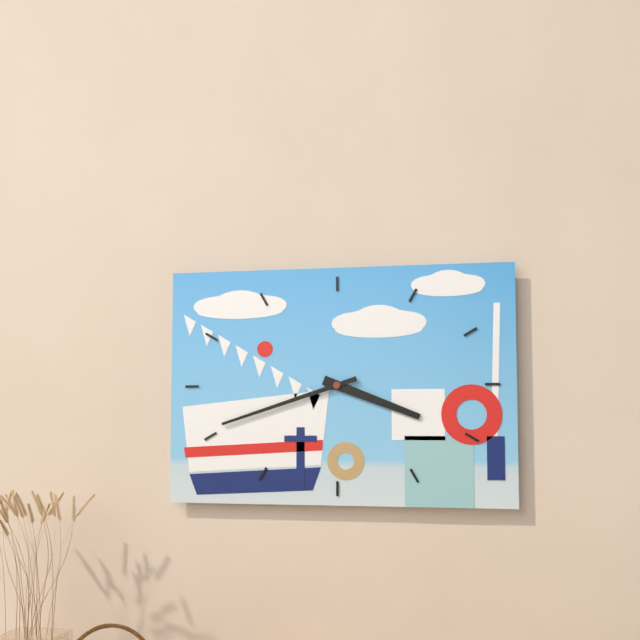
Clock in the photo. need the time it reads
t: 3:42
